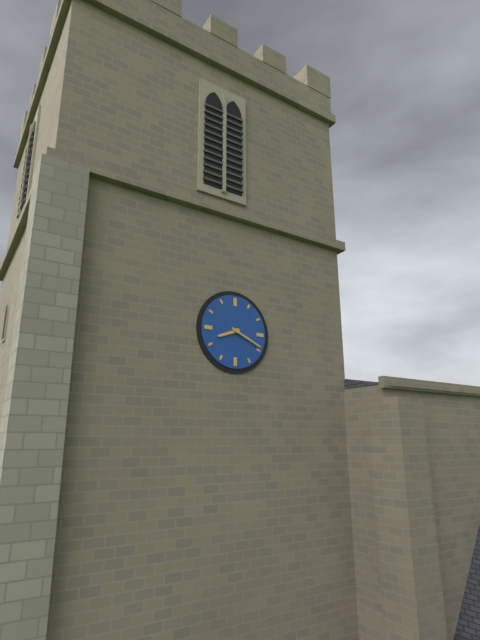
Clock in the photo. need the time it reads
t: 8:19
